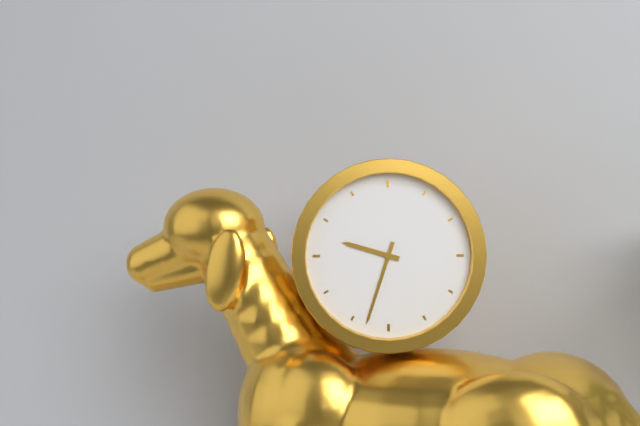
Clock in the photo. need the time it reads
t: 9:33
